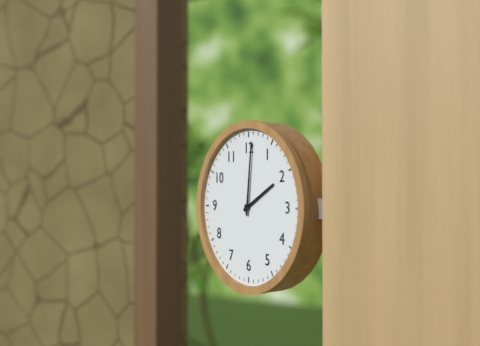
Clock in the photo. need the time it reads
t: 2:01
